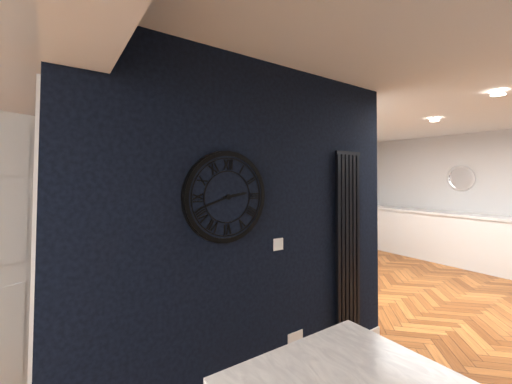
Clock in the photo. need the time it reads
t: 2:42
